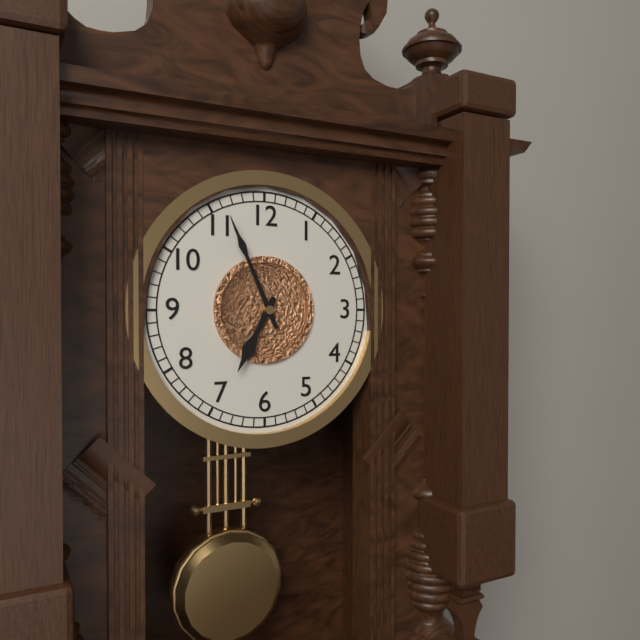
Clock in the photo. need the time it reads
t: 6:56
